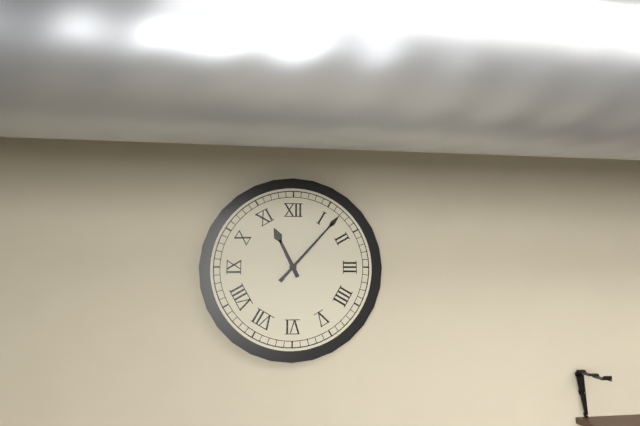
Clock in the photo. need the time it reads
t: 11:07
